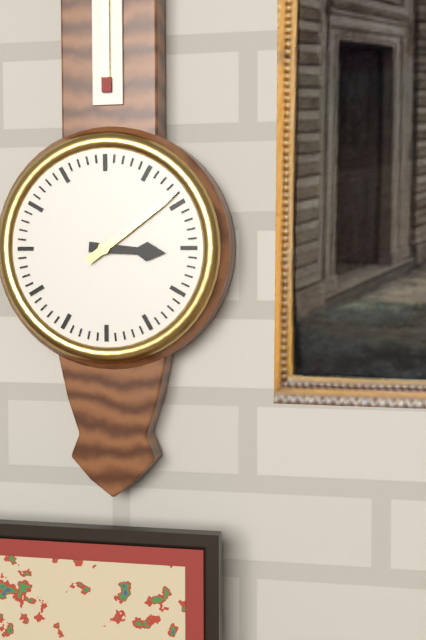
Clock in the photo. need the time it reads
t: 3:09
